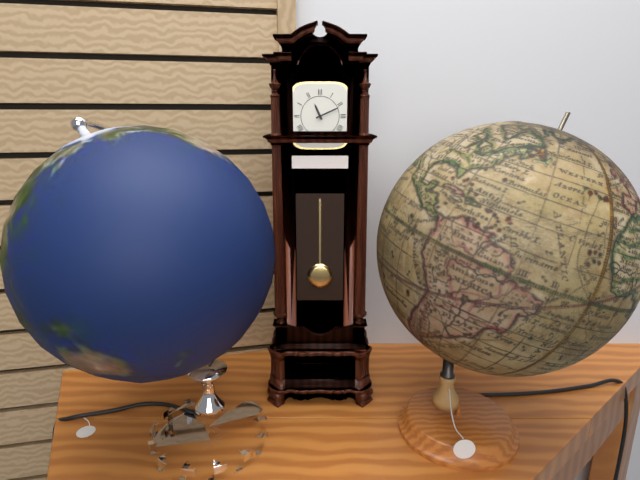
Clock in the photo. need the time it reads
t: 11:11
